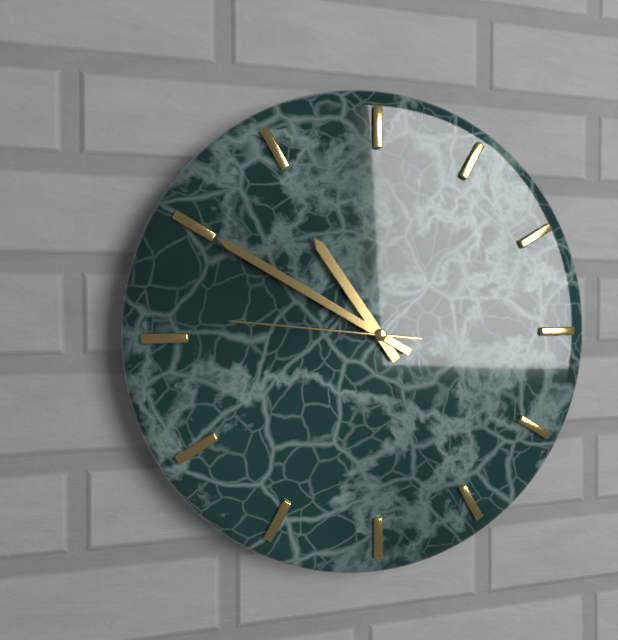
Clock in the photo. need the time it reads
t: 10:50:46
